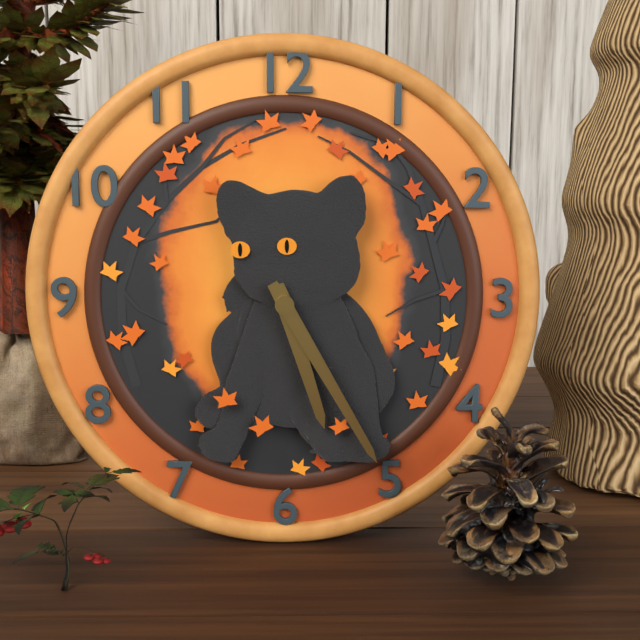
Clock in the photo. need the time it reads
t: 5:25
